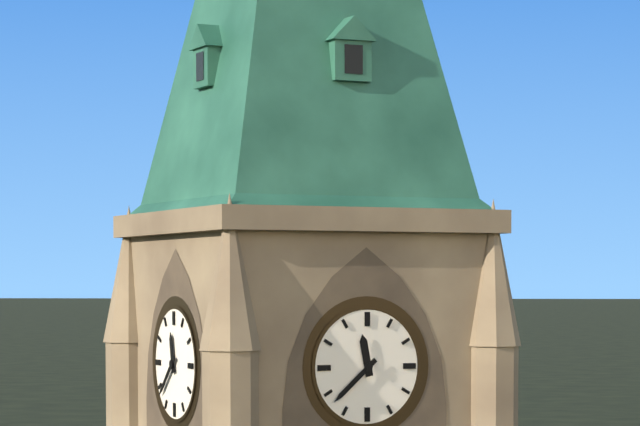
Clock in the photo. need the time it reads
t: 11:38
